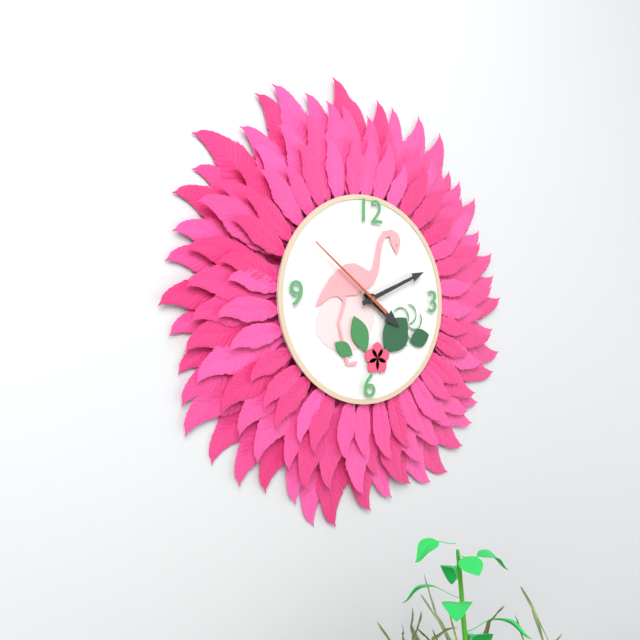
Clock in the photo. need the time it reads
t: 4:11:51
